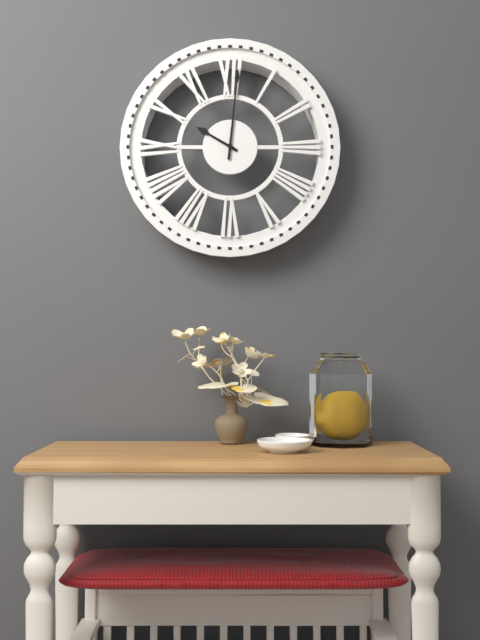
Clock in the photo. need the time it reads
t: 10:01
